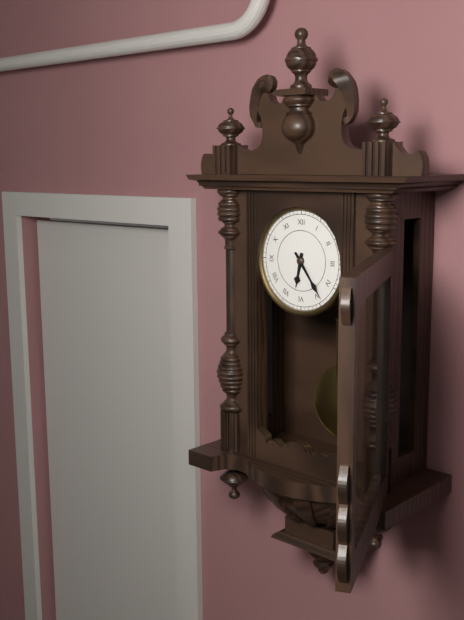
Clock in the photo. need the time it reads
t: 6:24
